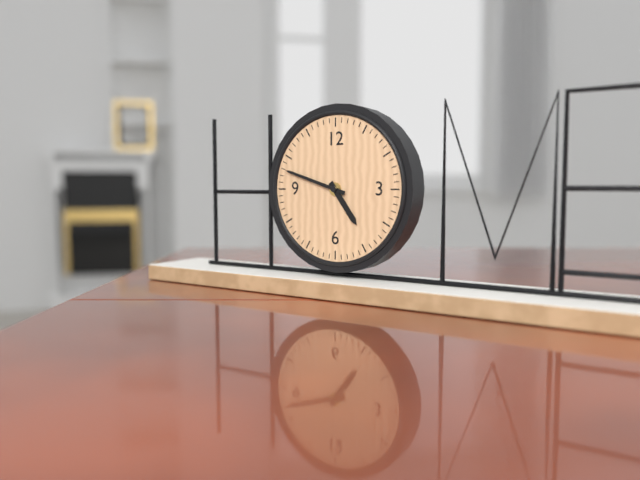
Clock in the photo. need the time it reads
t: 4:48
